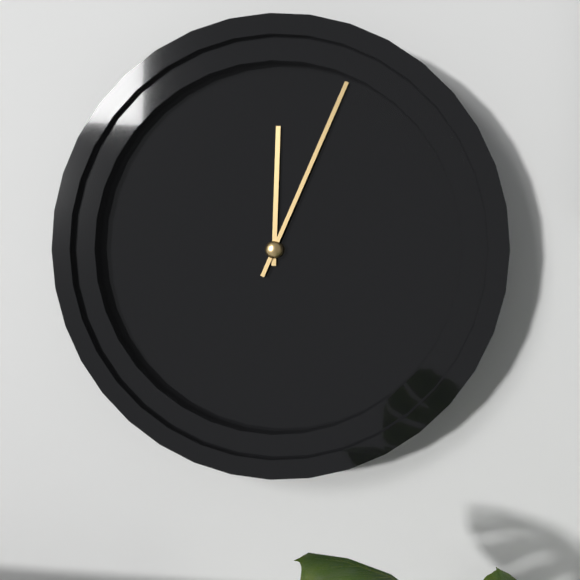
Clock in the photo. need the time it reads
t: 12:04
